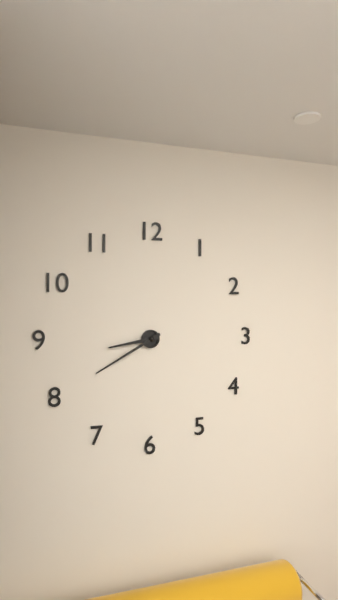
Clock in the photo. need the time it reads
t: 8:40
